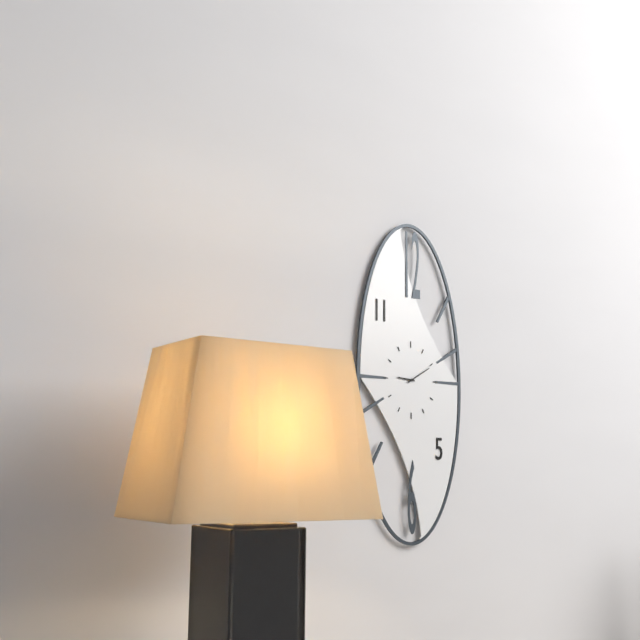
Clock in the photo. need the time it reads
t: 9:10
